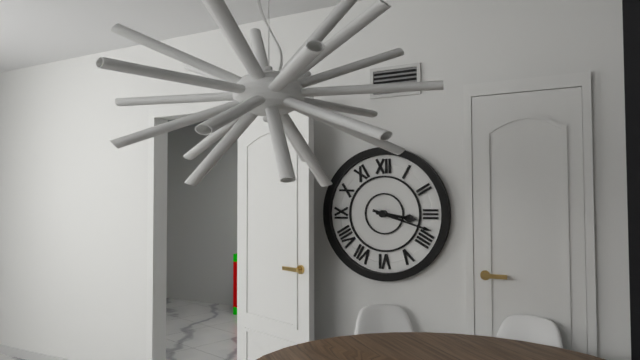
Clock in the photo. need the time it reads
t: 3:18
